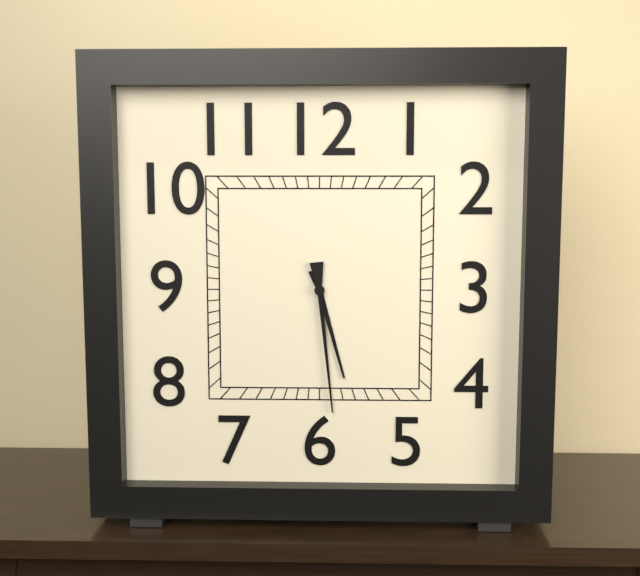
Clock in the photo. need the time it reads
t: 5:29
